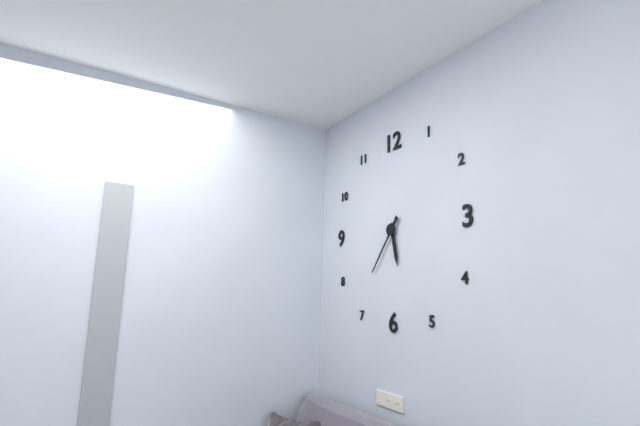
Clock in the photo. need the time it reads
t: 5:36
